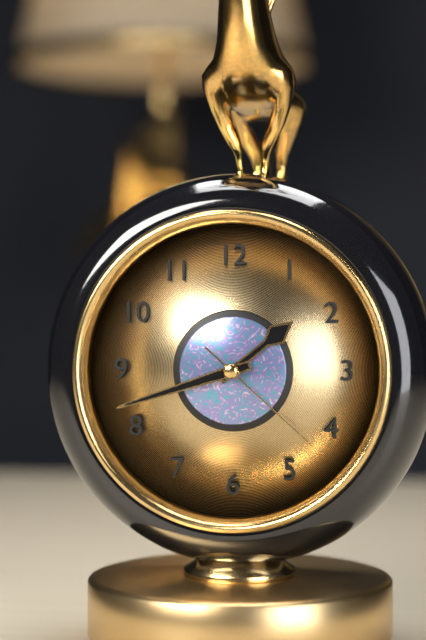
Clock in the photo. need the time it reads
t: 1:42:22
